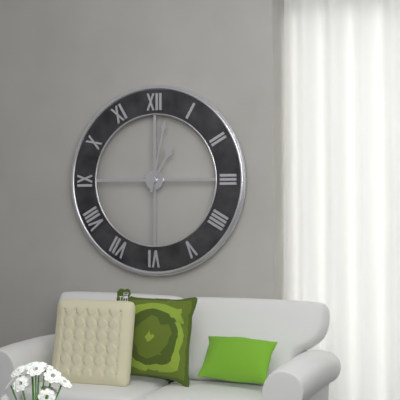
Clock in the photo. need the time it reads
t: 1:02
